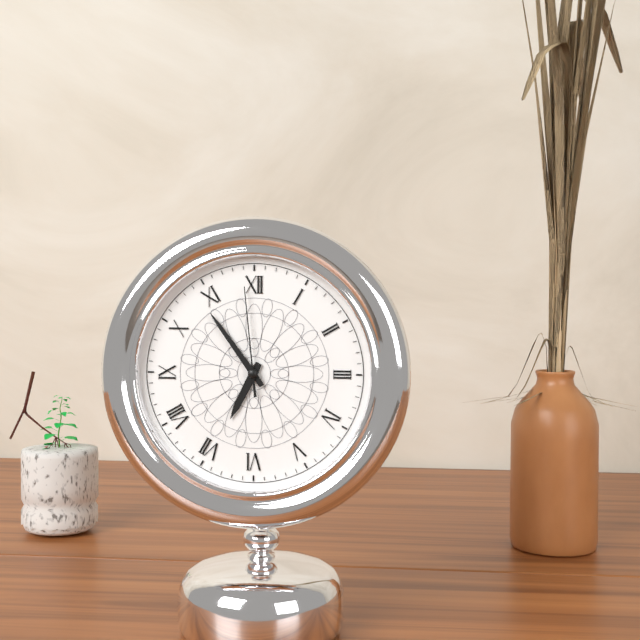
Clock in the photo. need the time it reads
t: 6:54:59
